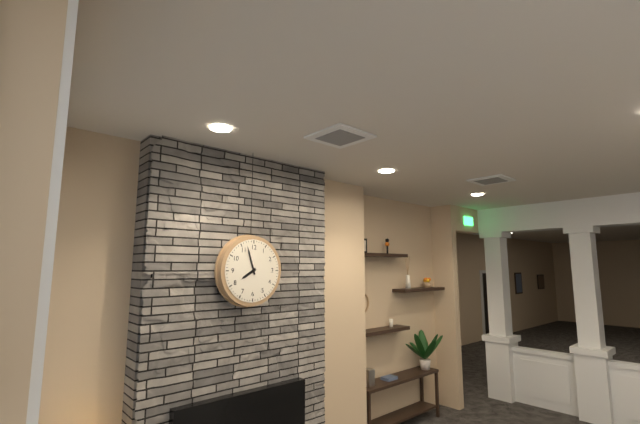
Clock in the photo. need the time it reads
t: 7:57
